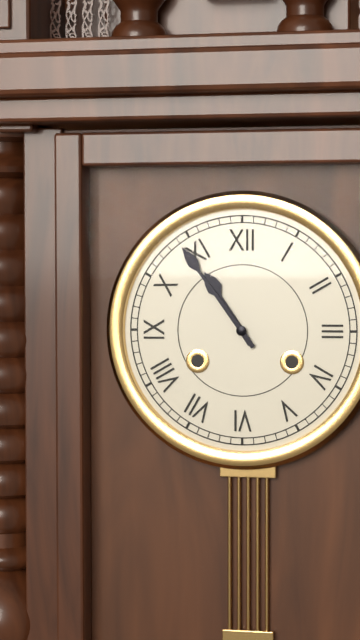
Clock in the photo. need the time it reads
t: 10:54
